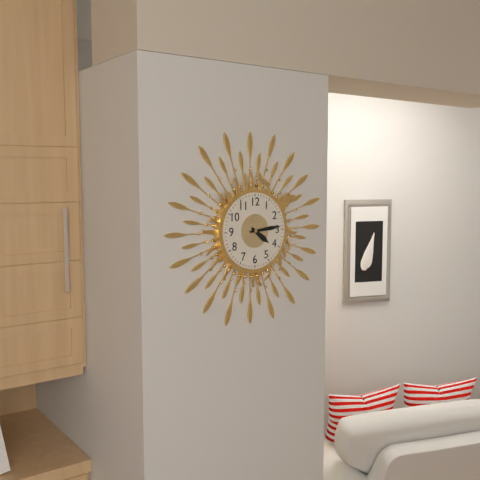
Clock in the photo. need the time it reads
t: 4:14
